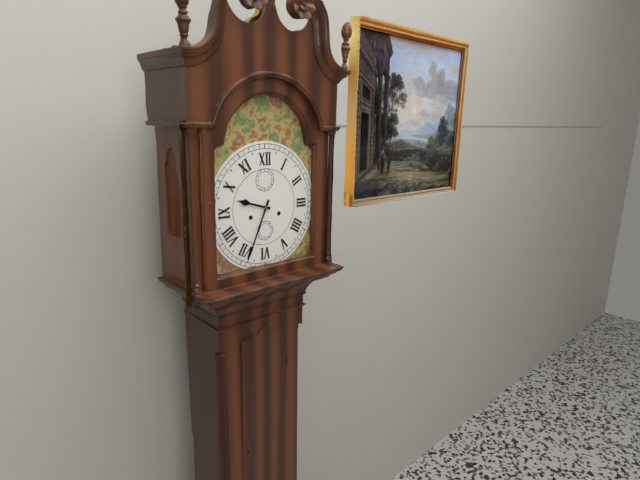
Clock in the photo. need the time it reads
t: 9:34
